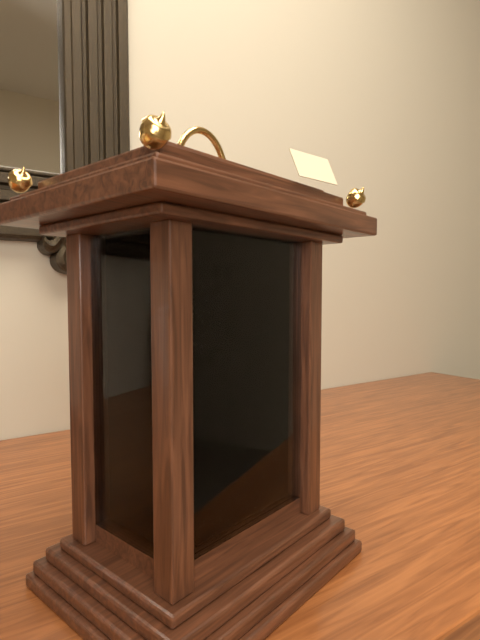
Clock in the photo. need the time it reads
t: 11:30
